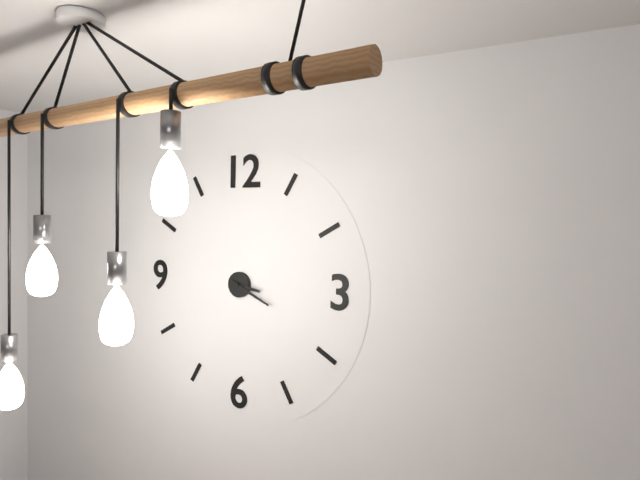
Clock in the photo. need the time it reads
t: 3:19
